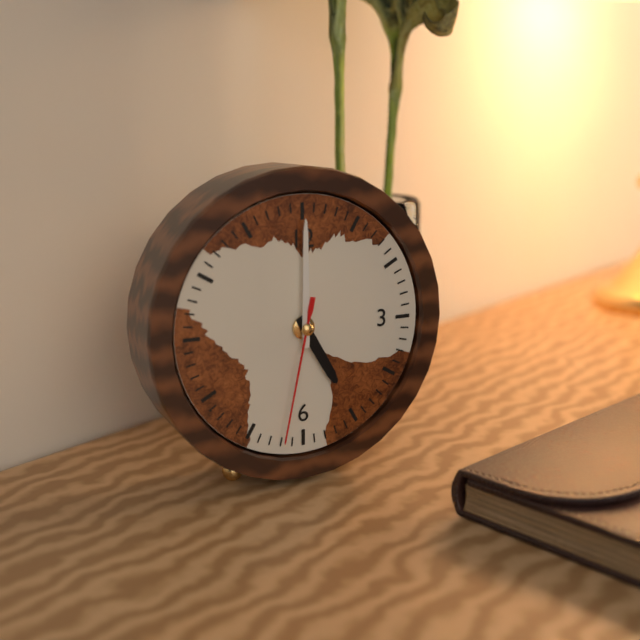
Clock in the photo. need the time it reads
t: 5:00:32
